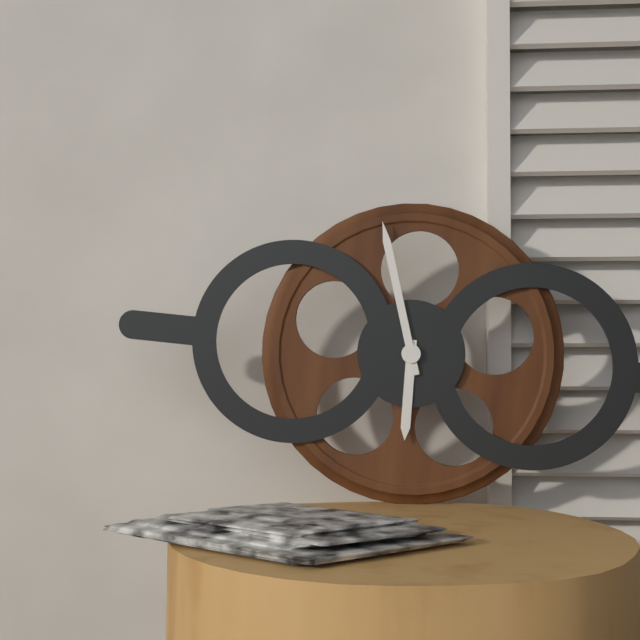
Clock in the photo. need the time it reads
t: 5:57
